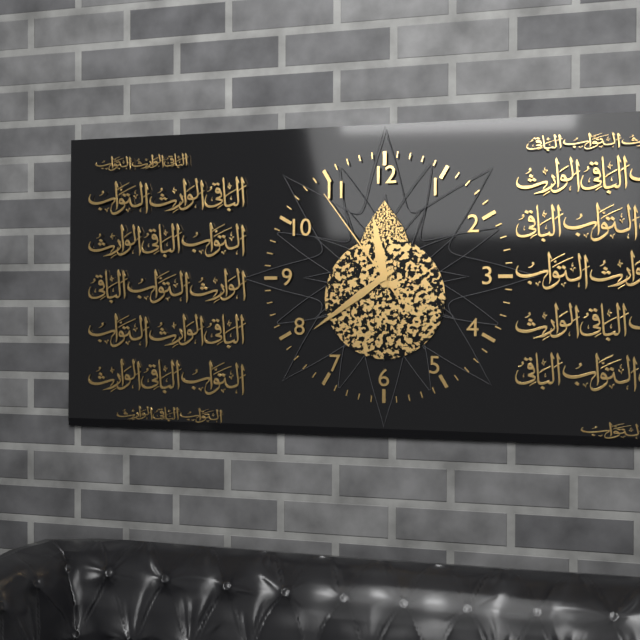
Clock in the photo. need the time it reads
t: 11:39:54
